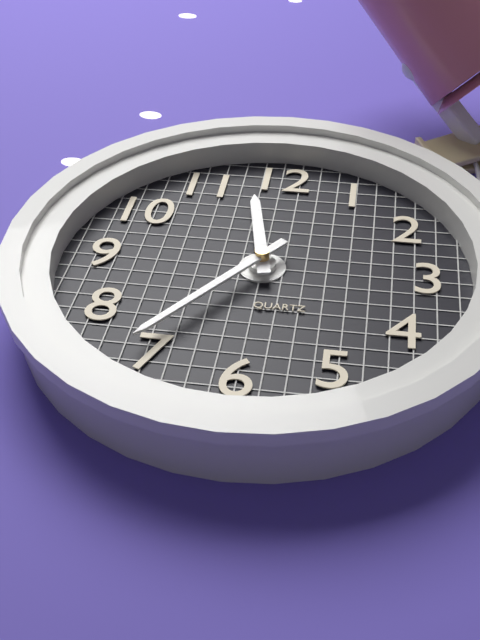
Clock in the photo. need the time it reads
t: 11:36
